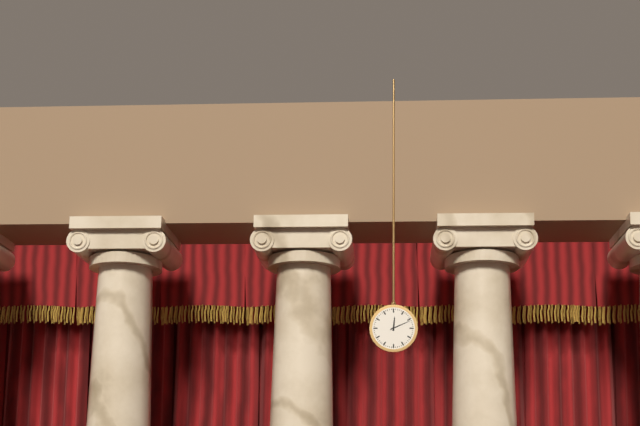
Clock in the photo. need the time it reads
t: 12:11
